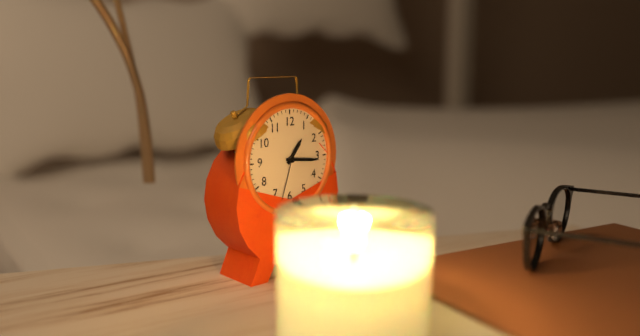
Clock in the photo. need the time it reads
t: 1:16:33
